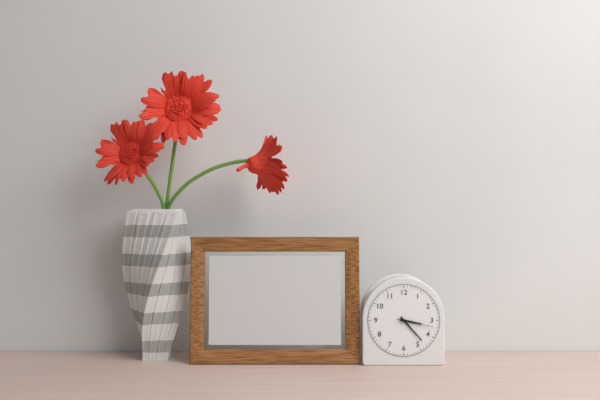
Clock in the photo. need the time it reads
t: 3:23
